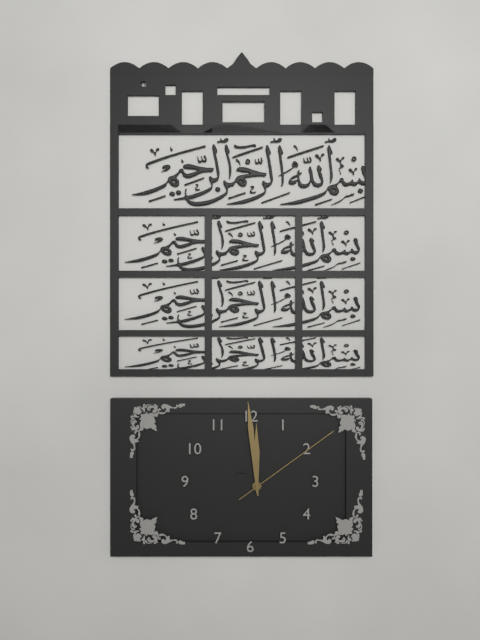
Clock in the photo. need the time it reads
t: 11:59:09
